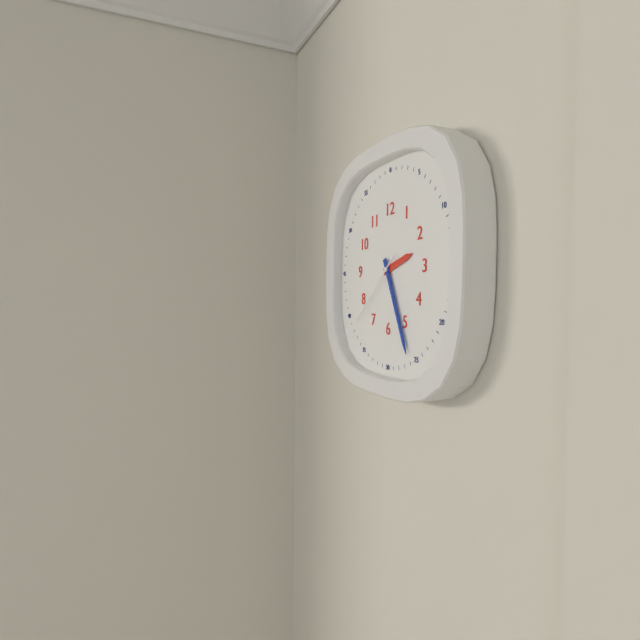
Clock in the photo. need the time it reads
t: 2:26:38
